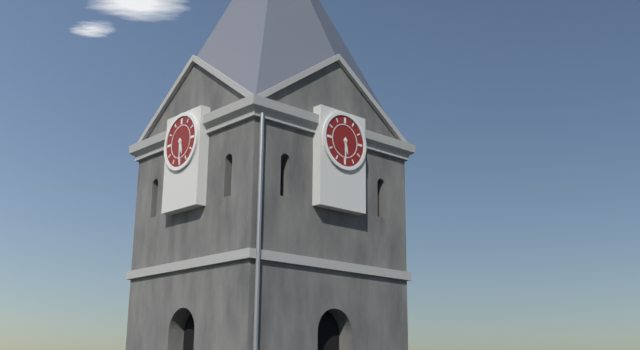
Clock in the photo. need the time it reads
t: 5:30
